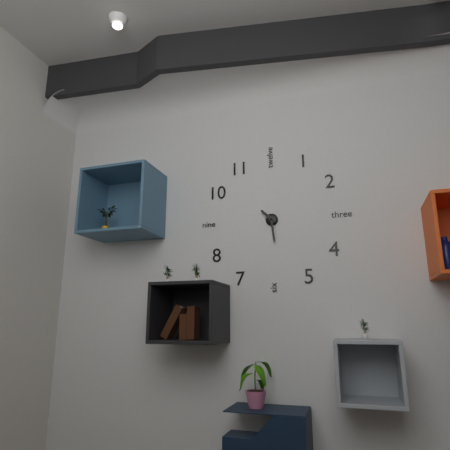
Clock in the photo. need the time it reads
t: 10:29
